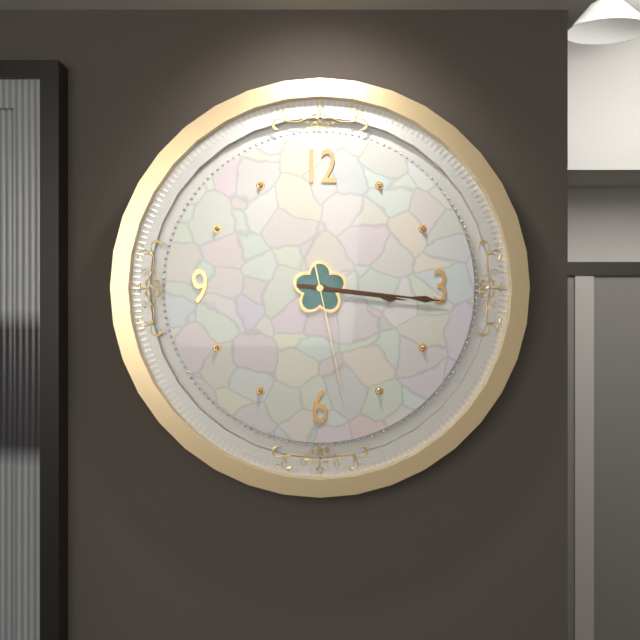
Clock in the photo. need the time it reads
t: 3:16:28
